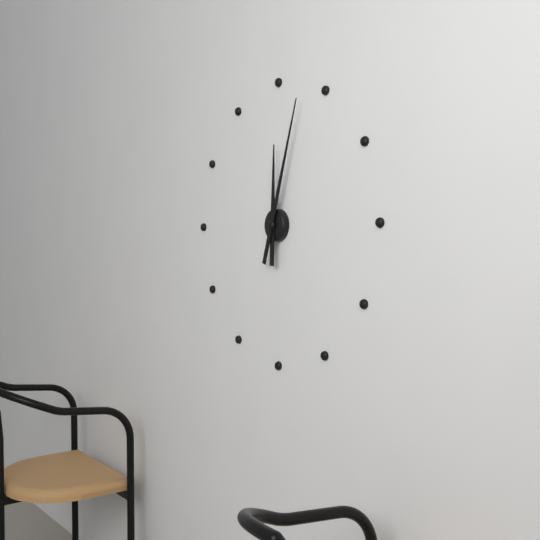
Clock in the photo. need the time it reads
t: 12:03
